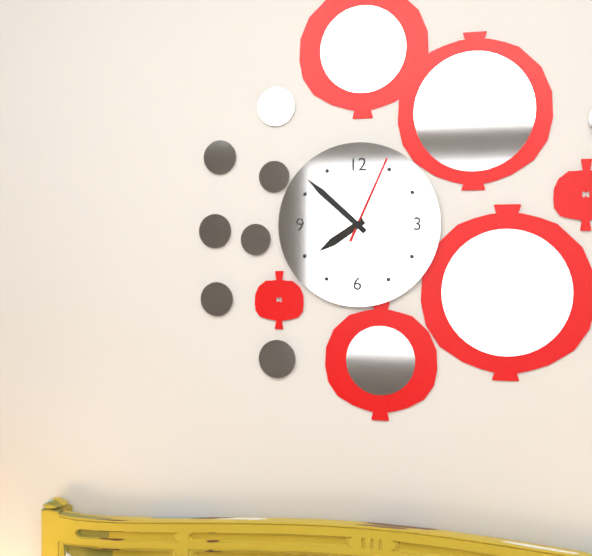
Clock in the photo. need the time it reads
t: 7:52:04
